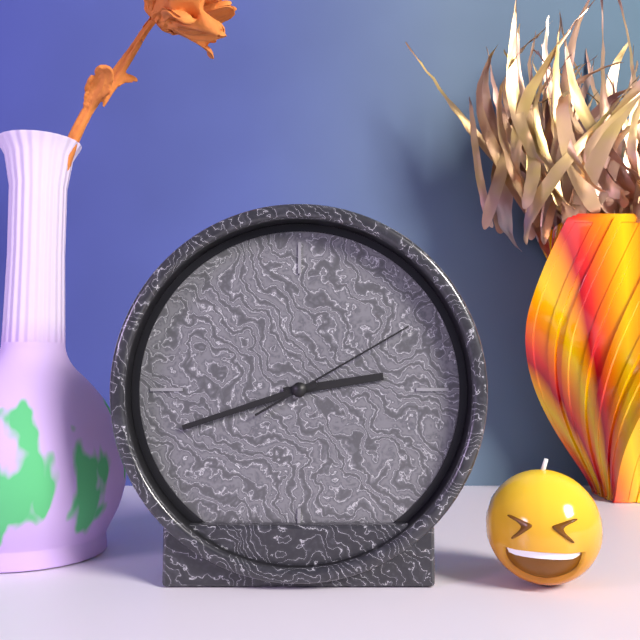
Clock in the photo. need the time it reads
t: 2:42:10
